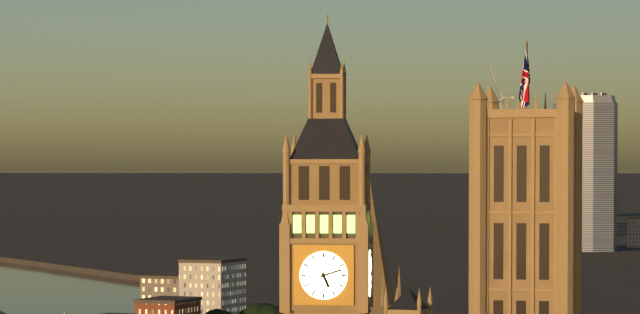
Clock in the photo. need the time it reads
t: 5:12
